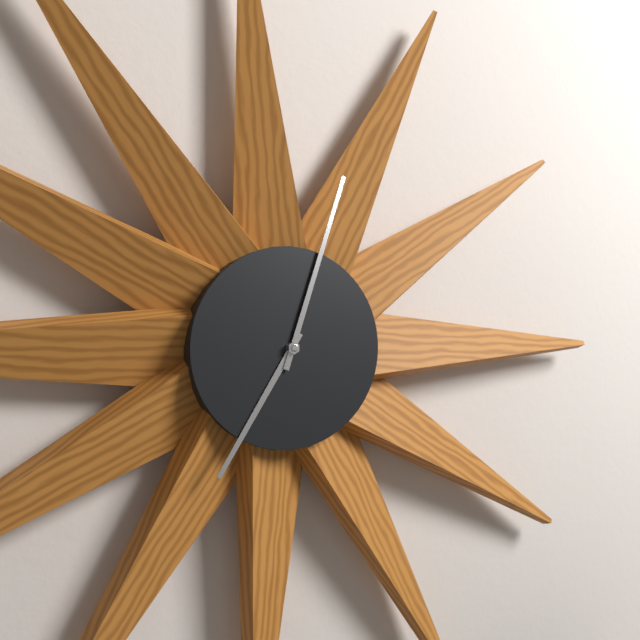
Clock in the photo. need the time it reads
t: 7:03
